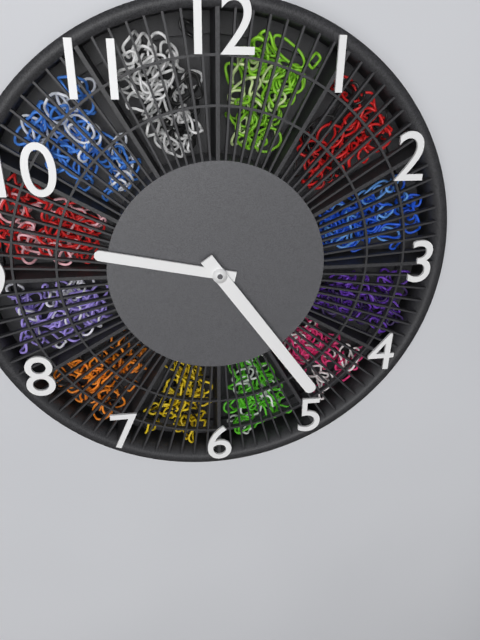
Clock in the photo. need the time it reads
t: 9:24
